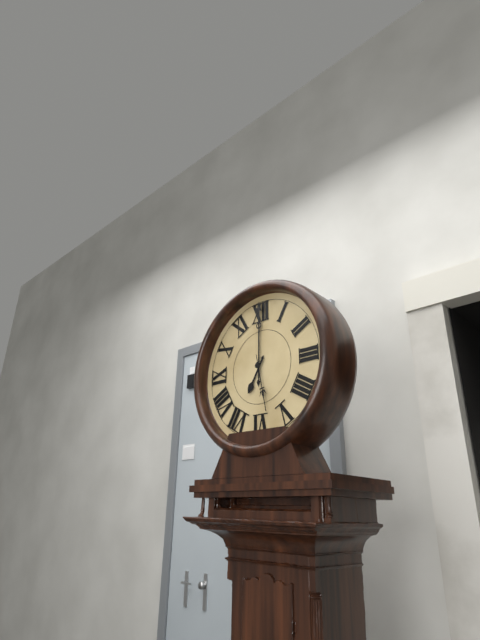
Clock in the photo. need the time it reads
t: 7:00:28
